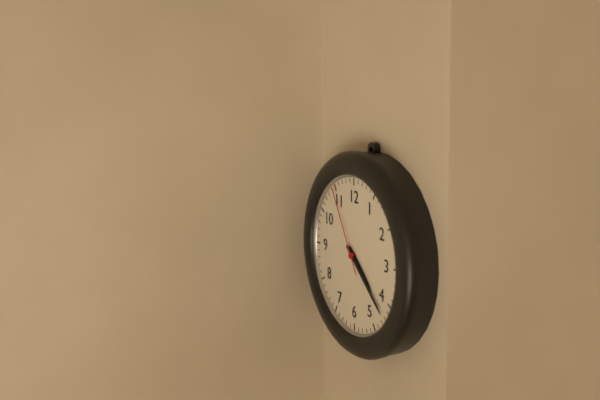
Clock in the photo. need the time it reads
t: 4:22:55
